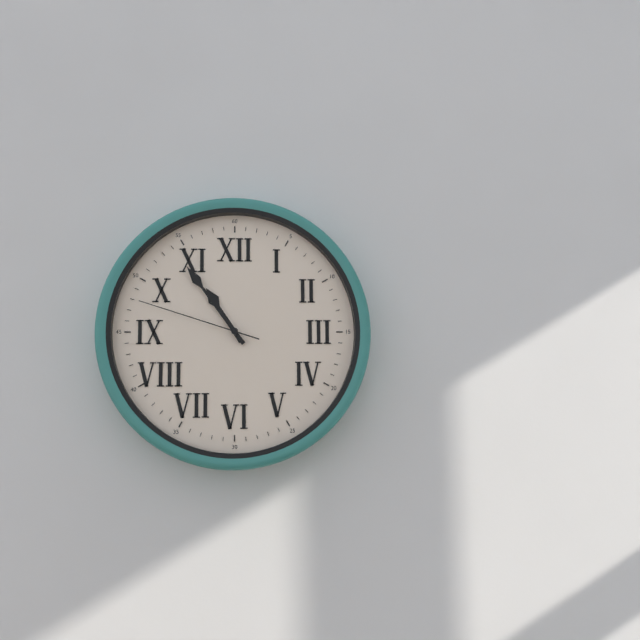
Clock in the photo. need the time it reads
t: 10:54:48
